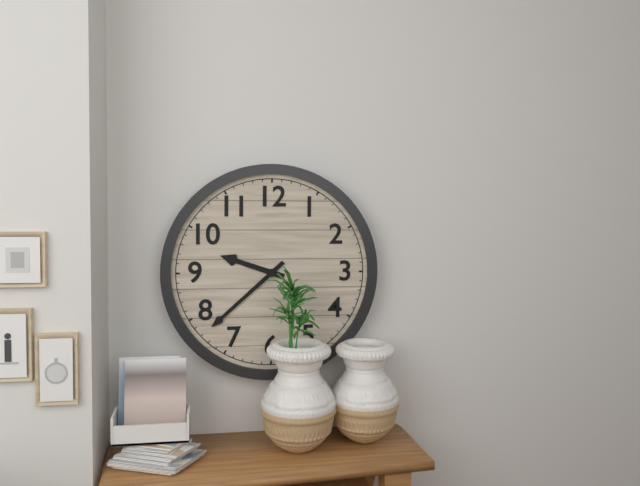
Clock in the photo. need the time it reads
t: 9:38
